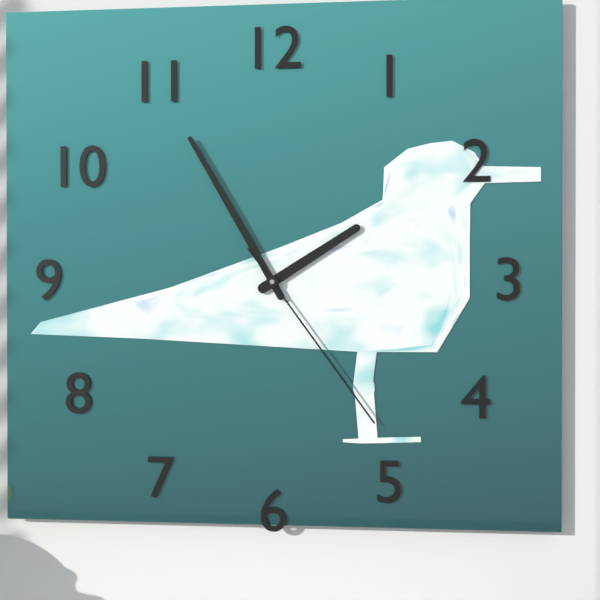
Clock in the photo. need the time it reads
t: 1:55:24
